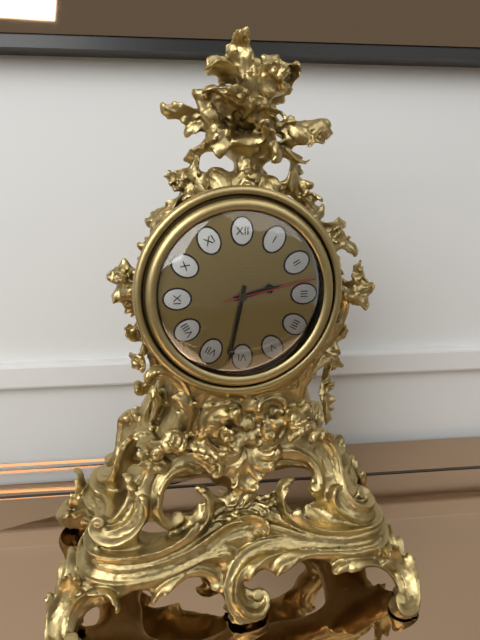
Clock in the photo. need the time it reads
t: 2:32:13
